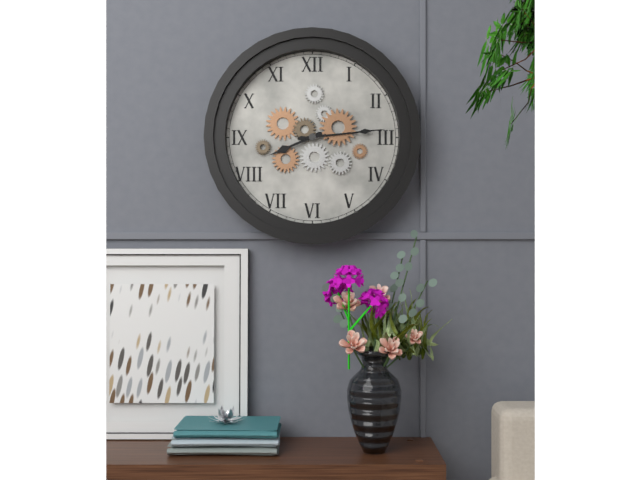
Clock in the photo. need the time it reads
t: 8:14
